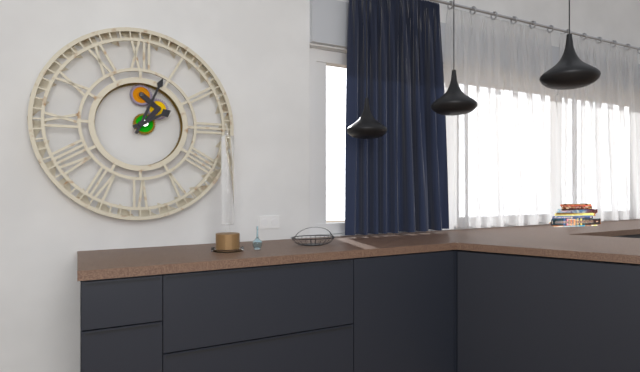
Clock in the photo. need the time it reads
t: 2:04
